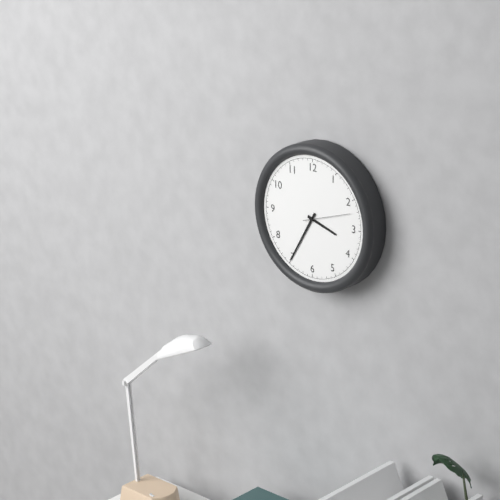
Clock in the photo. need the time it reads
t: 3:35
